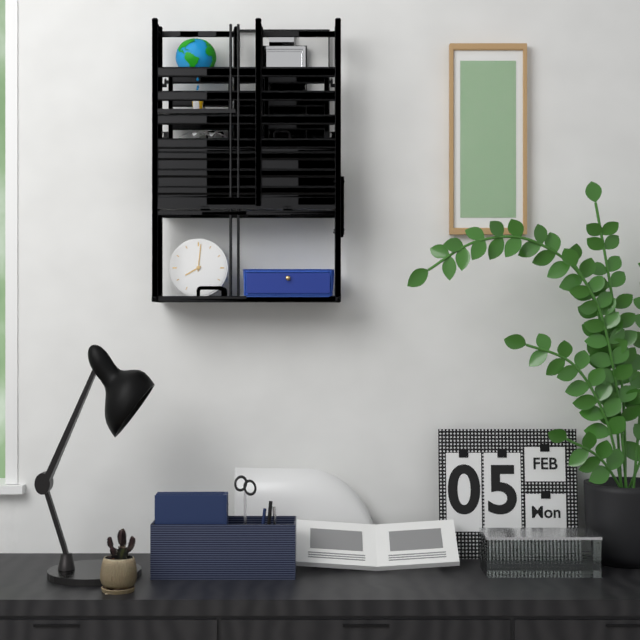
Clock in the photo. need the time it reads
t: 8:01
